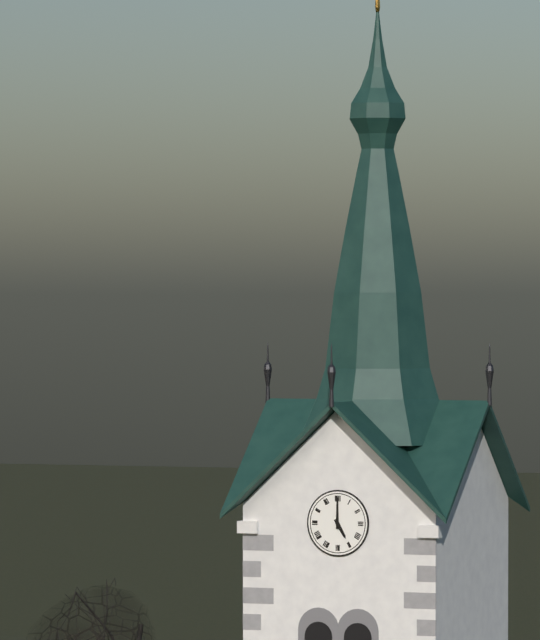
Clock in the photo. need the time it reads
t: 5:00
